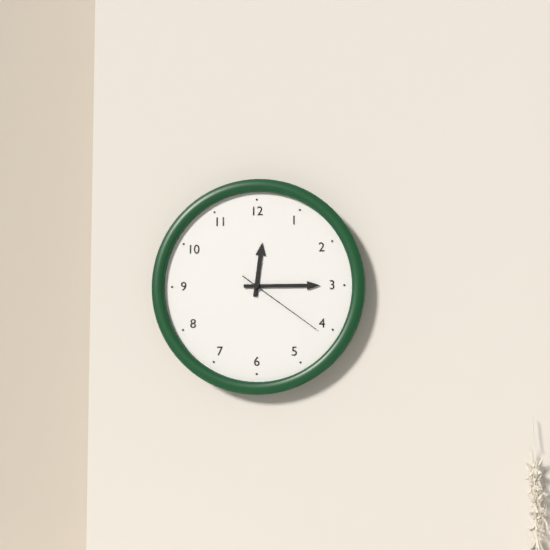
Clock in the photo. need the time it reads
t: 12:15:21
